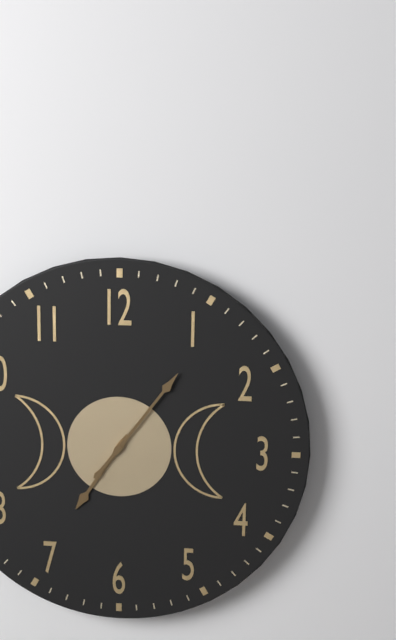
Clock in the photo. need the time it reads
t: 7:06
